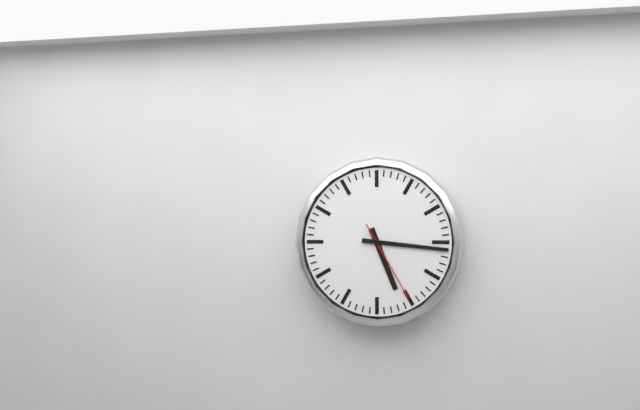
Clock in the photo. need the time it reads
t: 5:16:25
